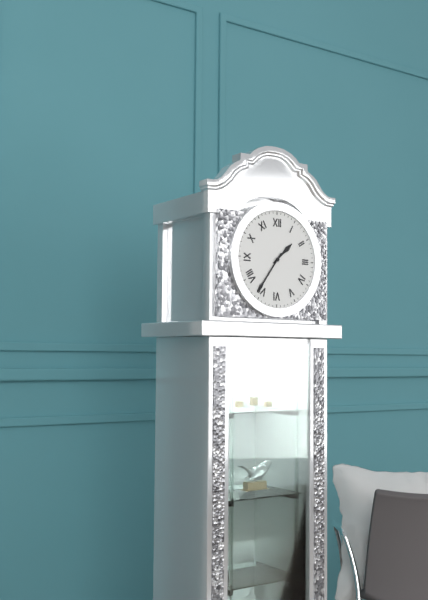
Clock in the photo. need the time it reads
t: 1:36
